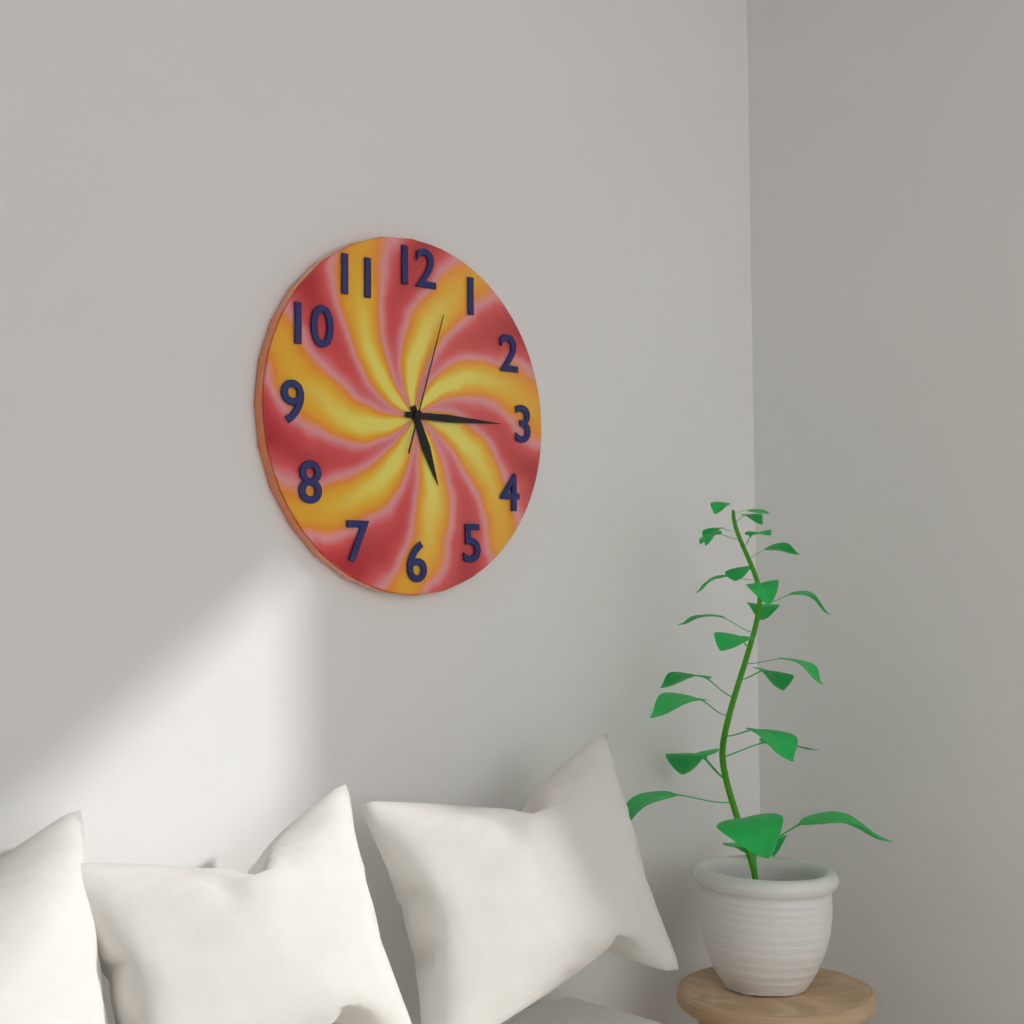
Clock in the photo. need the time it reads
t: 5:15:03
